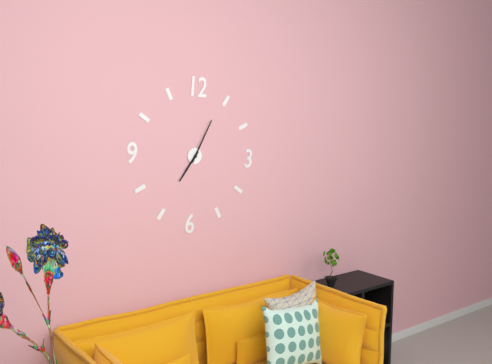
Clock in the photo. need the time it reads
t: 7:04
